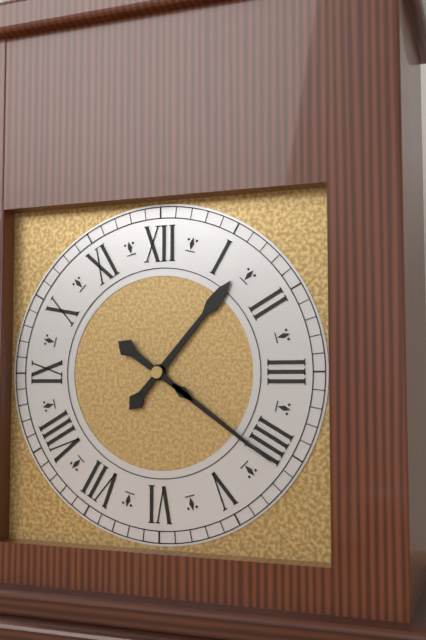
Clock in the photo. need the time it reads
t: 1:21
